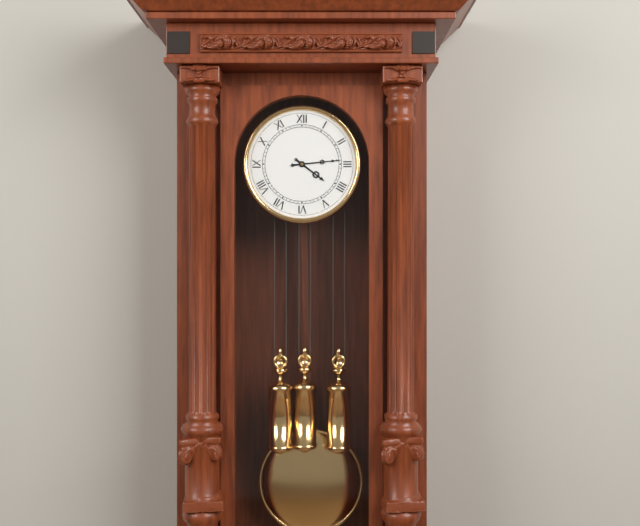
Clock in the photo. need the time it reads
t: 4:14
